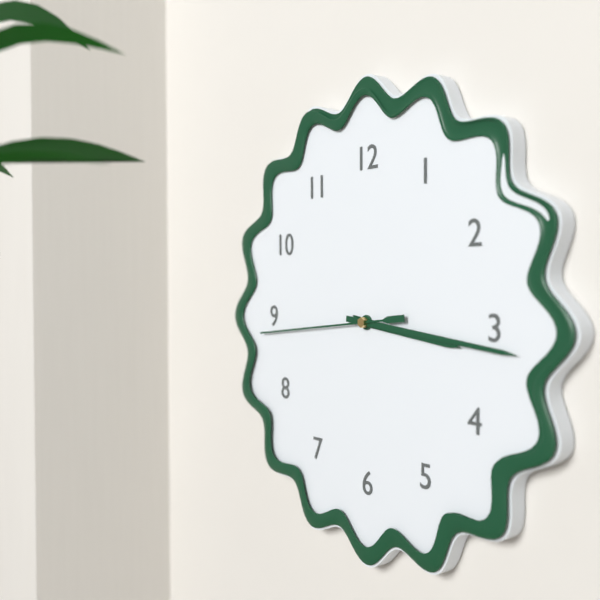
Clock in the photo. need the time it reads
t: 3:16:44
